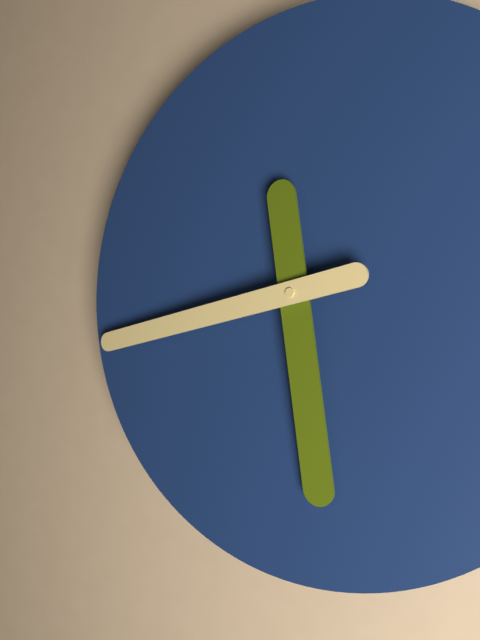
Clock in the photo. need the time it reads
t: 5:43
